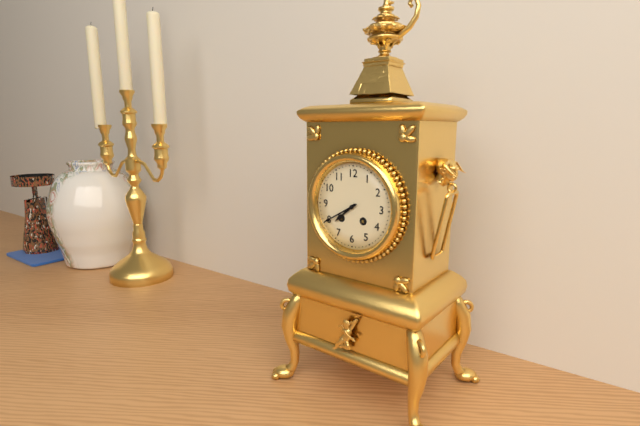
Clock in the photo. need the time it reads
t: 7:40
